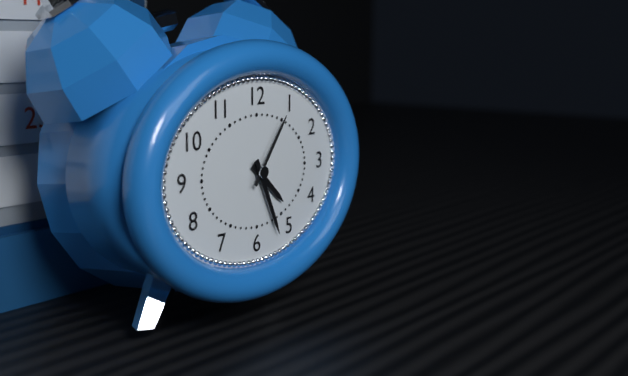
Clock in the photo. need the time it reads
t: 4:26:06
